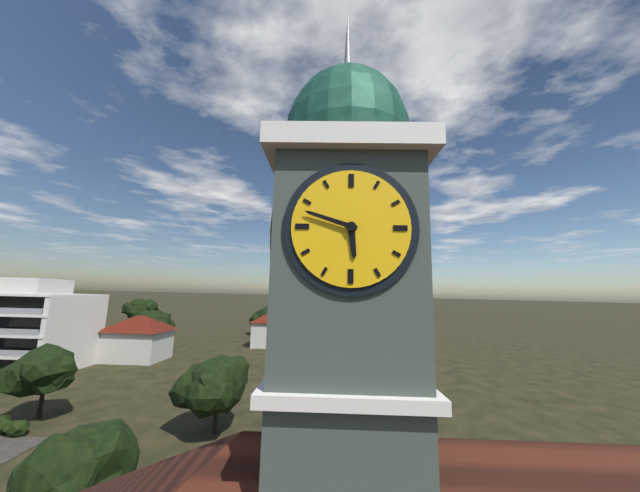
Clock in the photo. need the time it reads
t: 5:48
